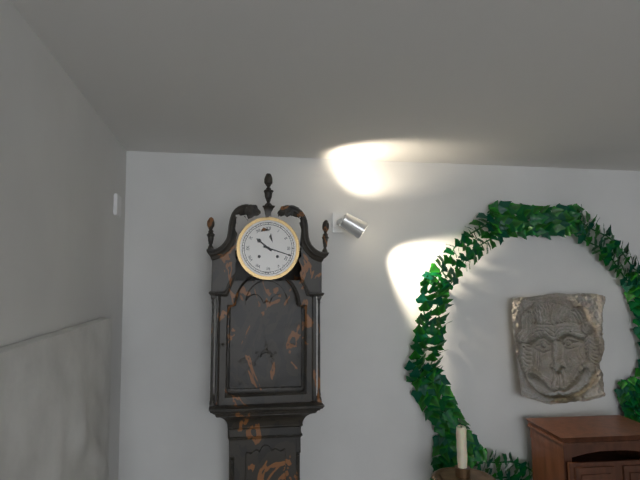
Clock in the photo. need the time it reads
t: 10:18
